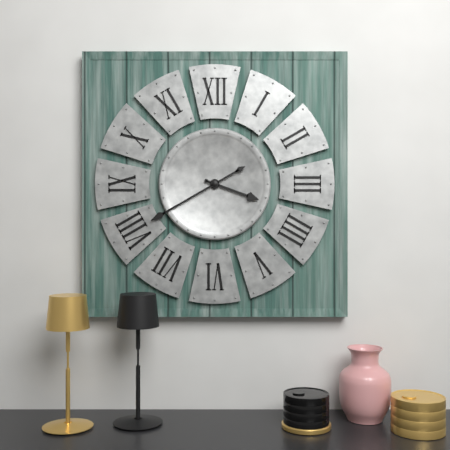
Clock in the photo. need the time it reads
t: 3:40
